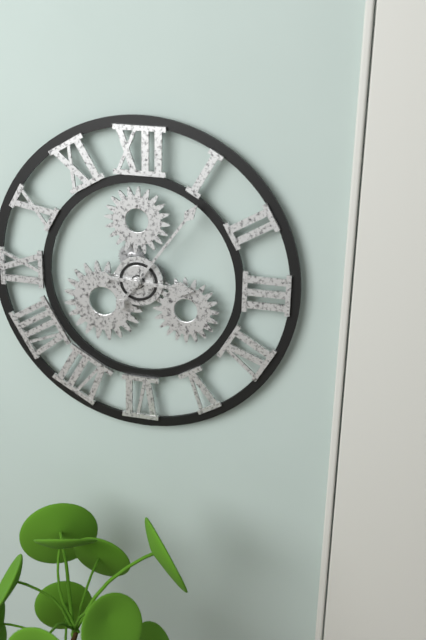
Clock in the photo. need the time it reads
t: 3:06
